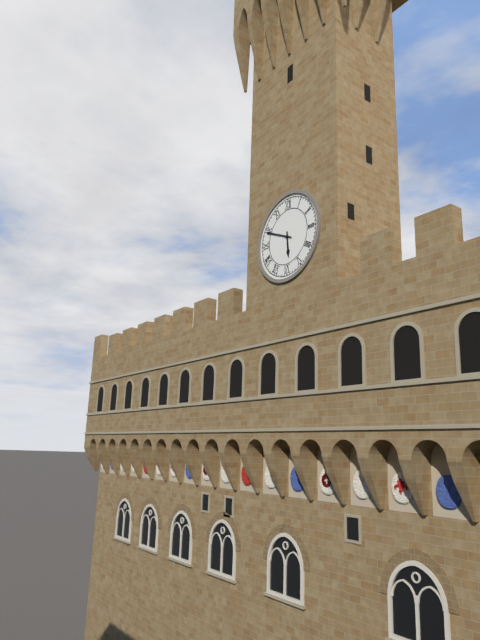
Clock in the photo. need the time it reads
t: 5:49
